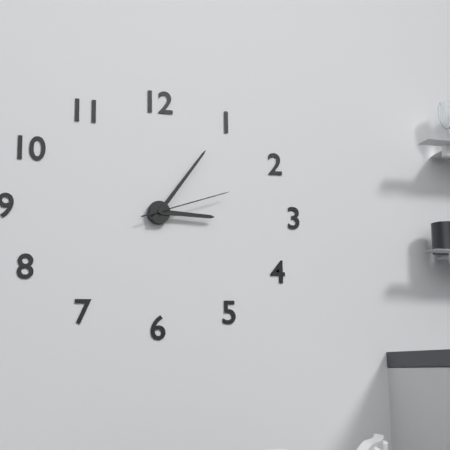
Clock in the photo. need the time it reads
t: 3:06:12
